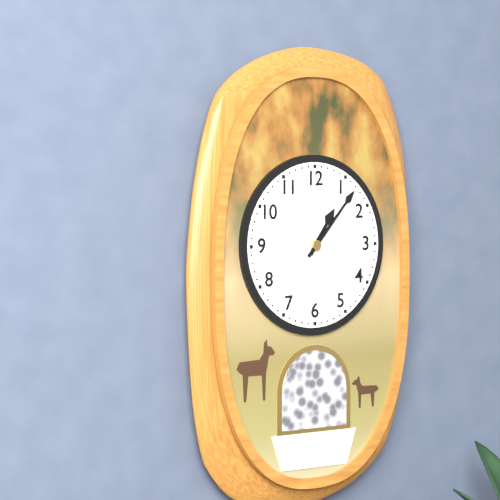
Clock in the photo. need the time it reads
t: 1:07
